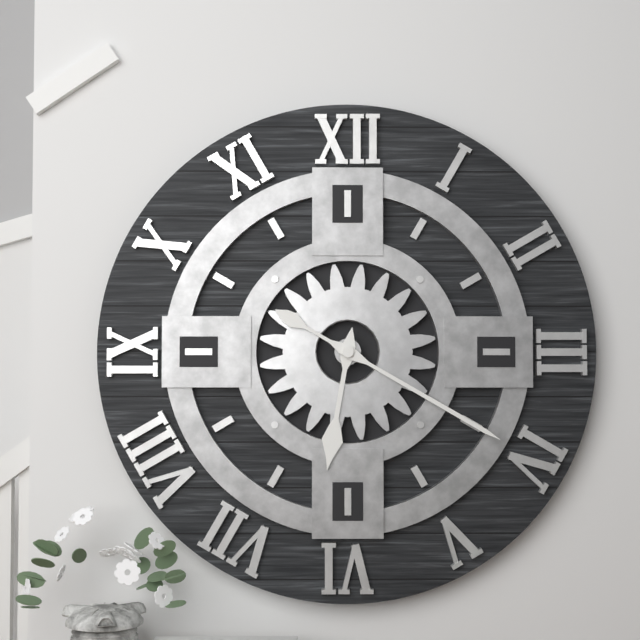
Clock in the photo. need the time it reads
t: 6:20
